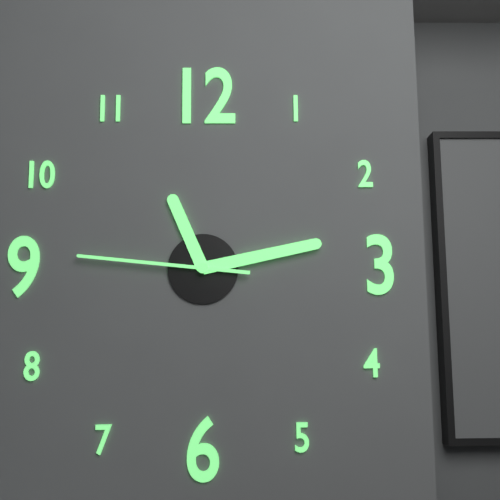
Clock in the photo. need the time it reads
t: 11:13:46
